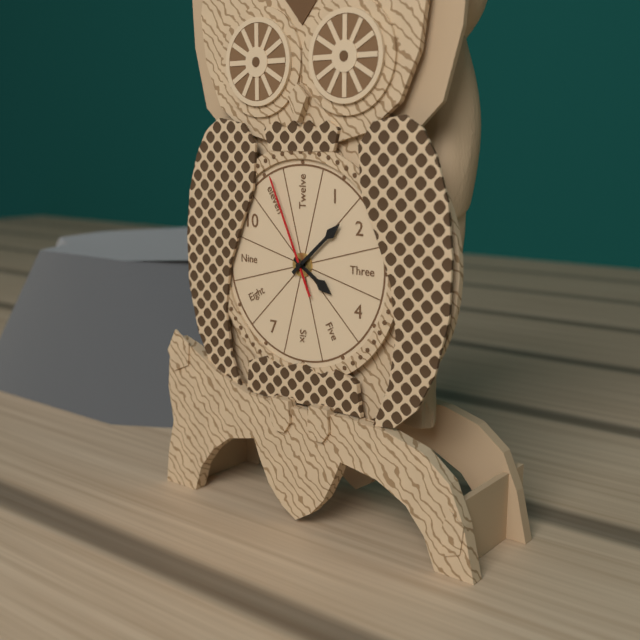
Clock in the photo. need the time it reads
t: 4:08:56
